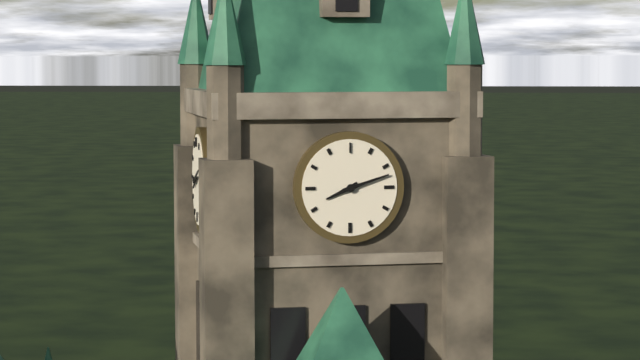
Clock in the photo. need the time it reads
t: 8:12
